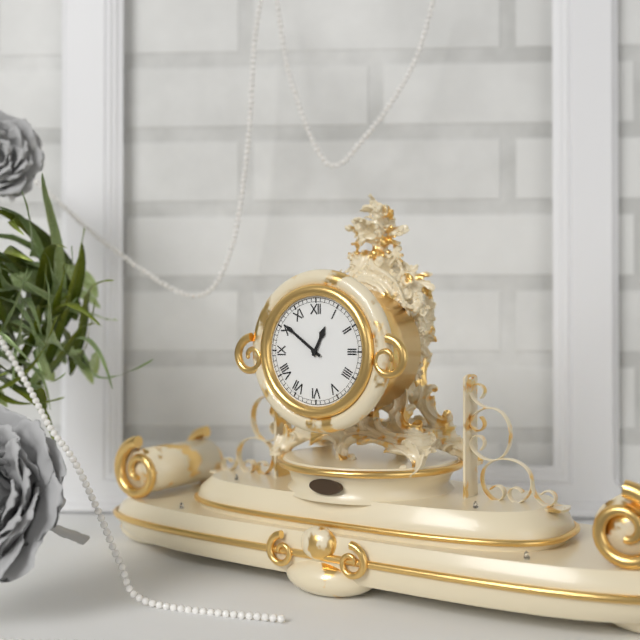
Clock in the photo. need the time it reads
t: 12:51
